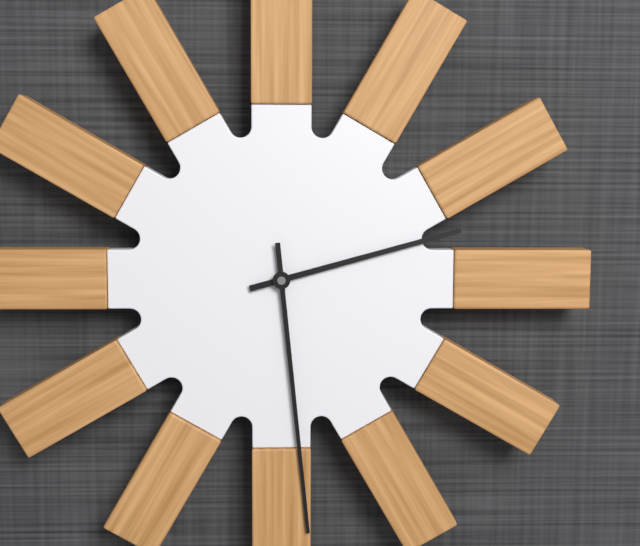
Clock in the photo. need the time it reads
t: 2:29
